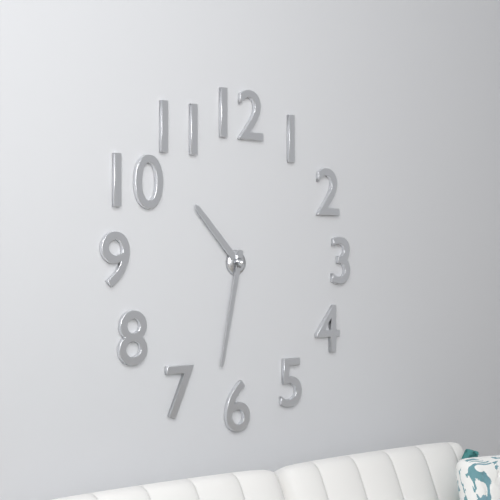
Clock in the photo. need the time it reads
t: 10:32
